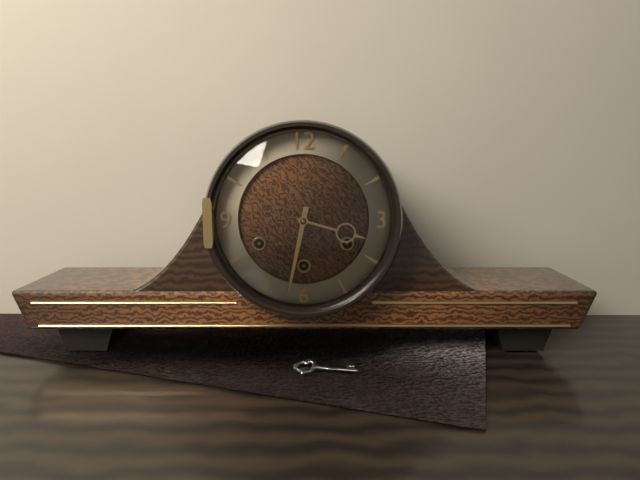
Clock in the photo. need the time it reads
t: 3:32
